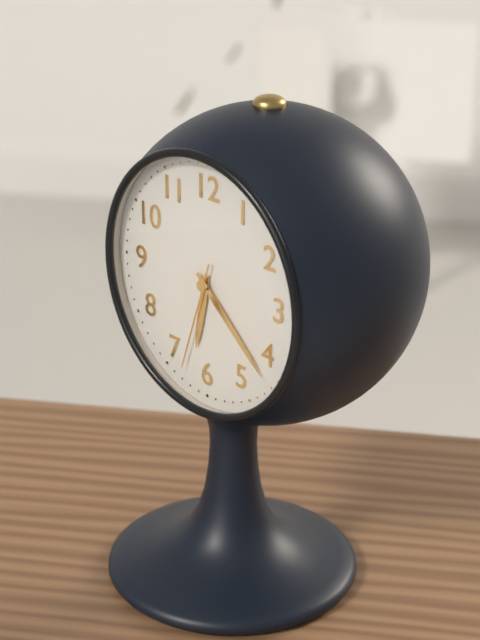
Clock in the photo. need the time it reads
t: 6:22:33
